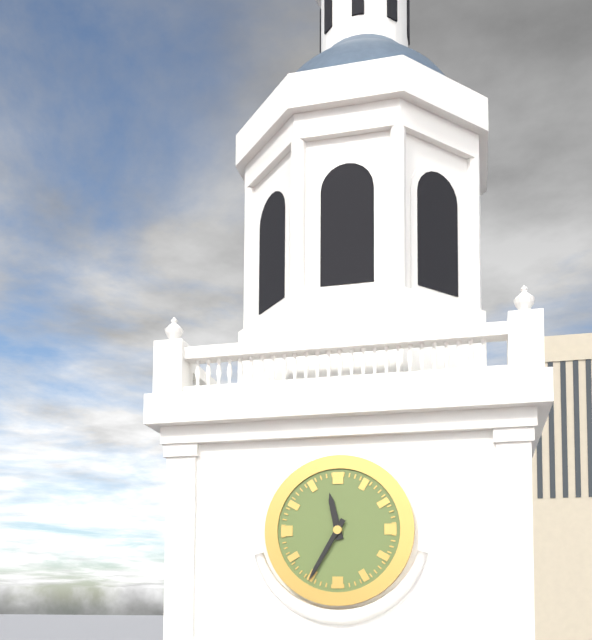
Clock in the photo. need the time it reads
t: 11:35
